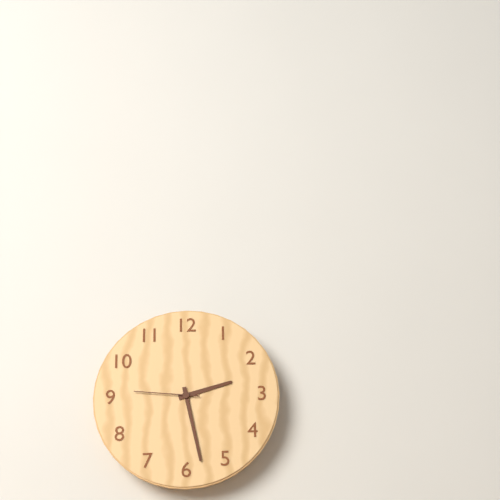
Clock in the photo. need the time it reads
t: 2:28:46
